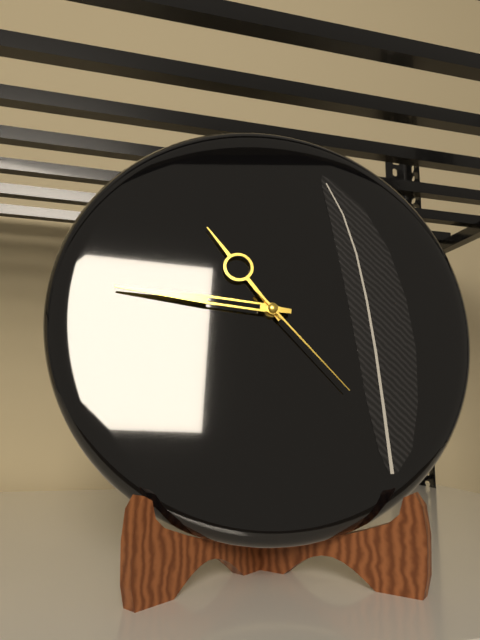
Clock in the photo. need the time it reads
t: 10:46:23
